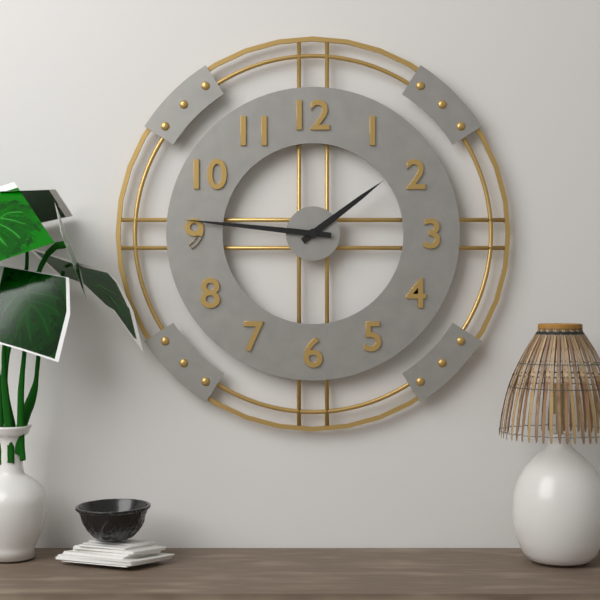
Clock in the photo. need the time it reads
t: 1:46
